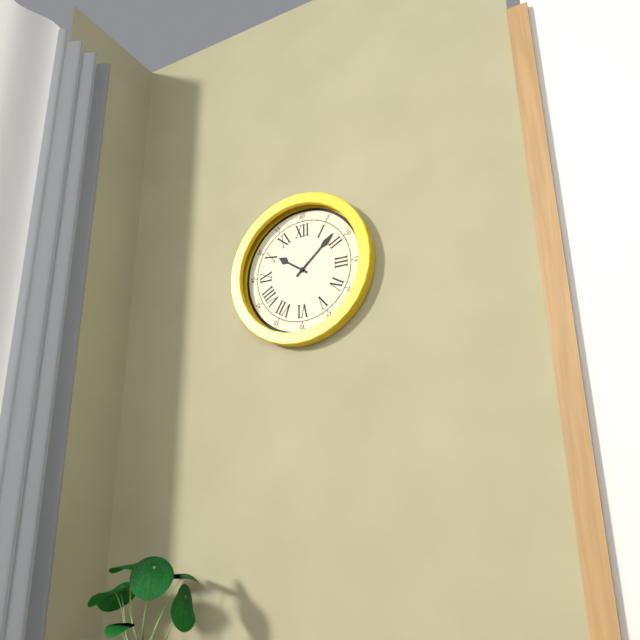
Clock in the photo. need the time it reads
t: 10:08
